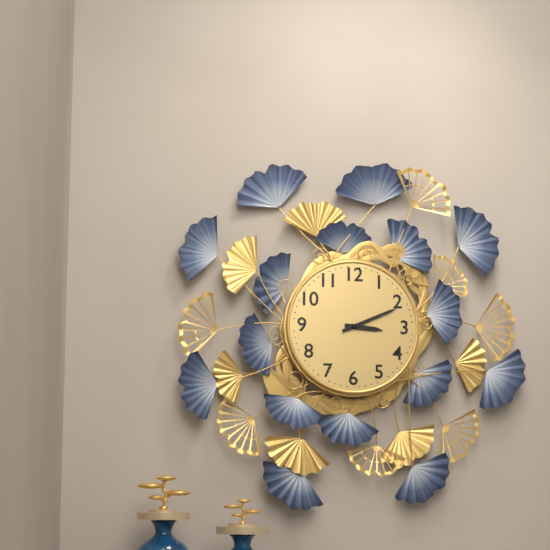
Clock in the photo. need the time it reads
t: 3:11
